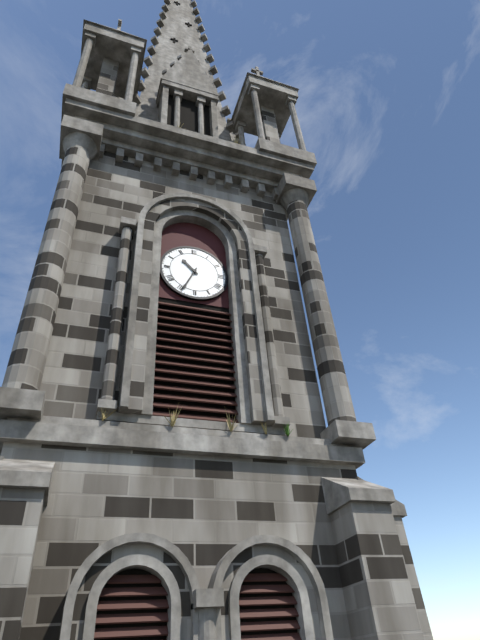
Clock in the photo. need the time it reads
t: 10:34
